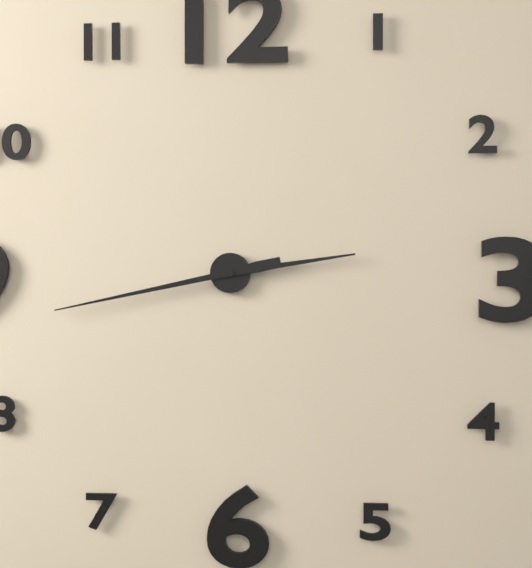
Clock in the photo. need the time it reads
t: 2:43
